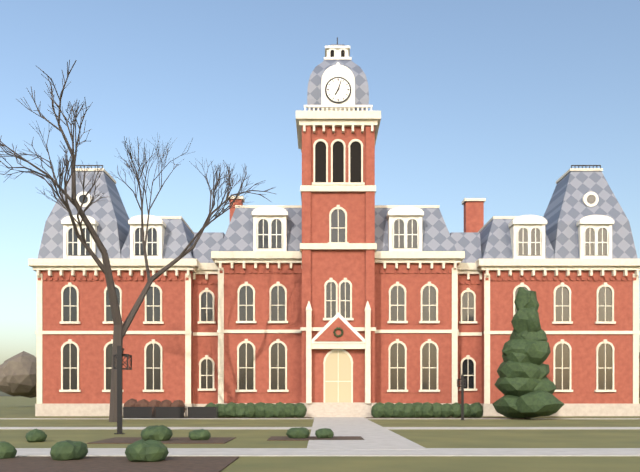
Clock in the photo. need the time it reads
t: 7:03
